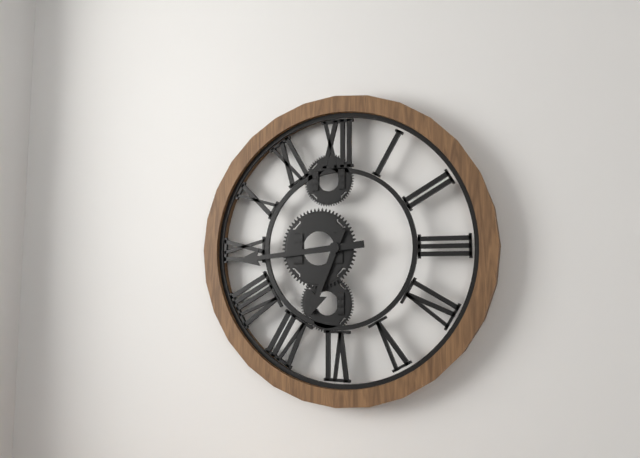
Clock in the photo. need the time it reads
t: 6:44
